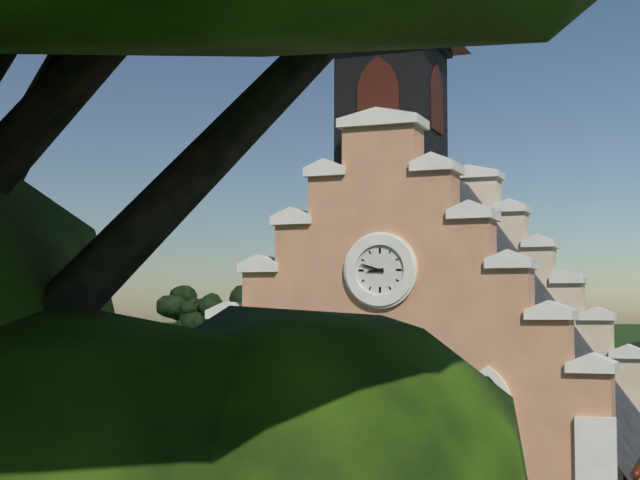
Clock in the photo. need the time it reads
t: 8:48
